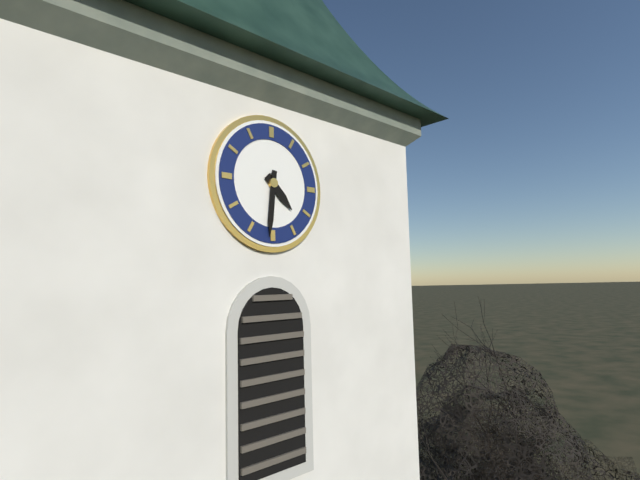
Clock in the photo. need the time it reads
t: 4:31
